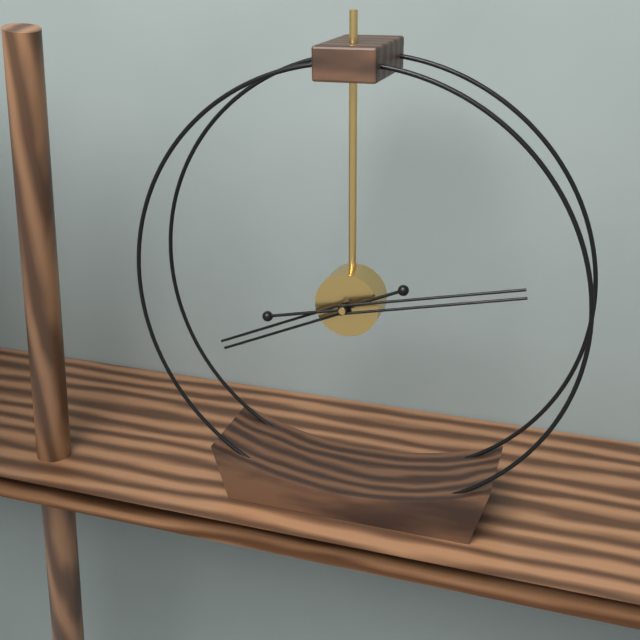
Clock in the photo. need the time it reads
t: 8:13
